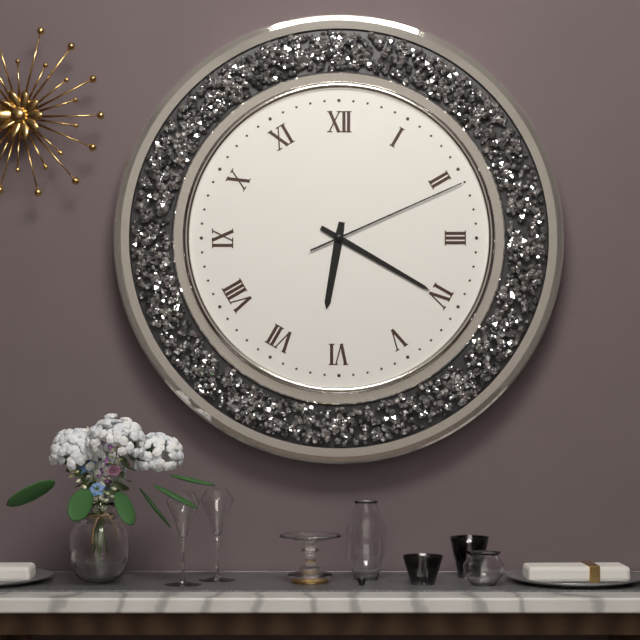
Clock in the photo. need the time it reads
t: 6:20:11
